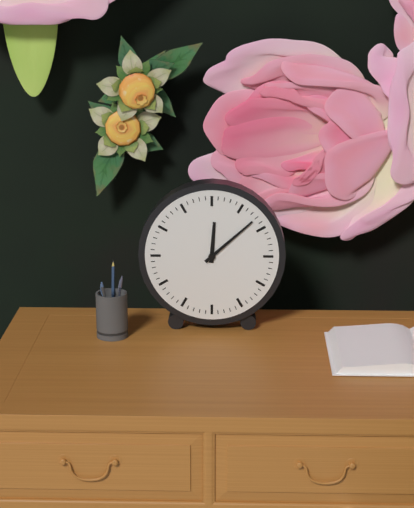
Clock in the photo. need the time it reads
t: 12:08
